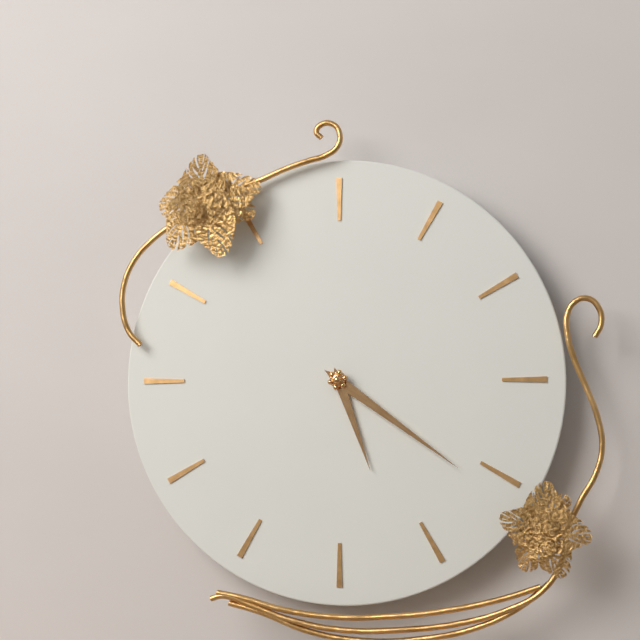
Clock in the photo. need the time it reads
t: 5:21
